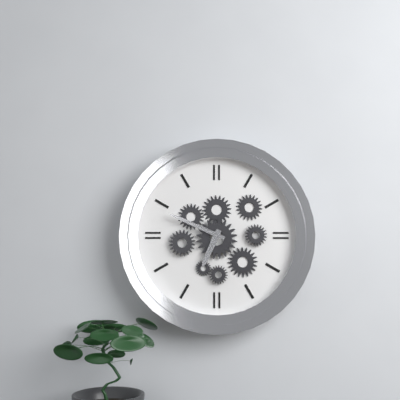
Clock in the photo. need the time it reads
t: 6:49
